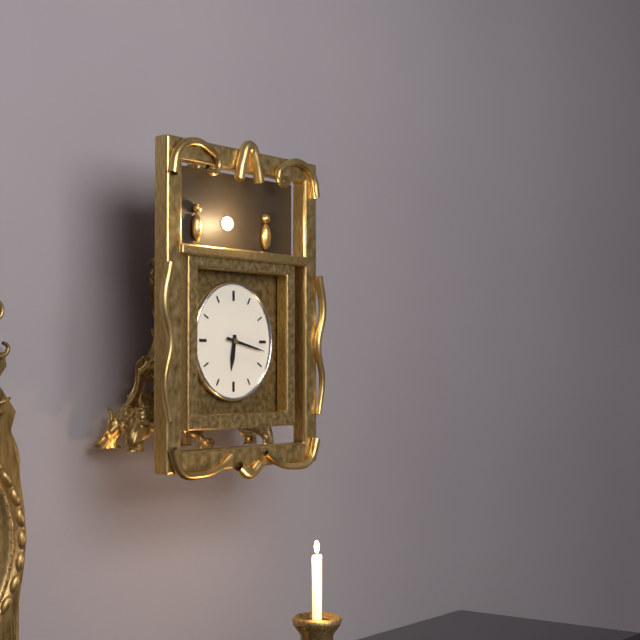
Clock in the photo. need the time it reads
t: 6:17
